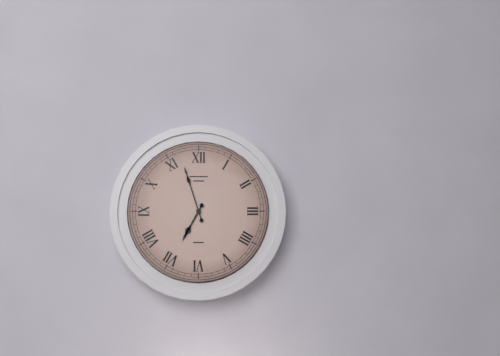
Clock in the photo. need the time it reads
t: 6:57
